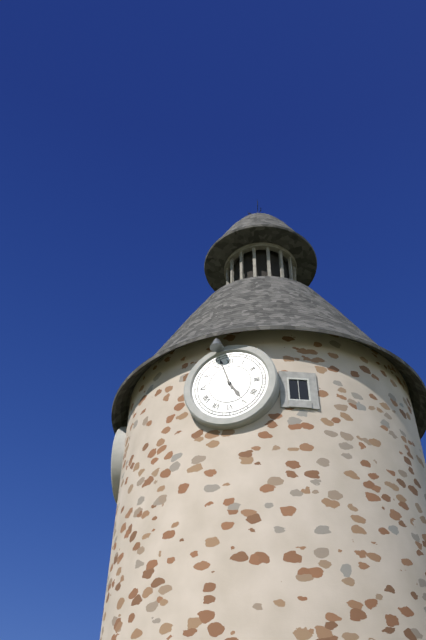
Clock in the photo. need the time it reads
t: 4:57
